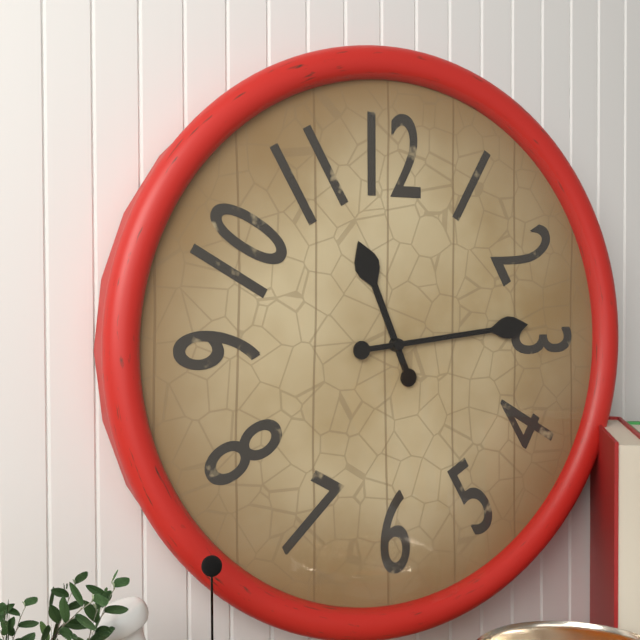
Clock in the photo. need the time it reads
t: 11:14
